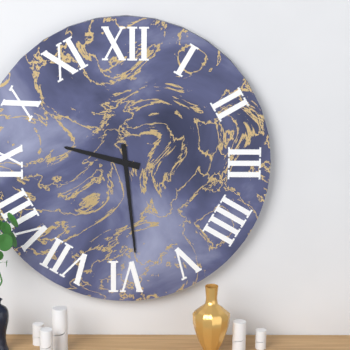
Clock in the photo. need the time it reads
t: 9:29
